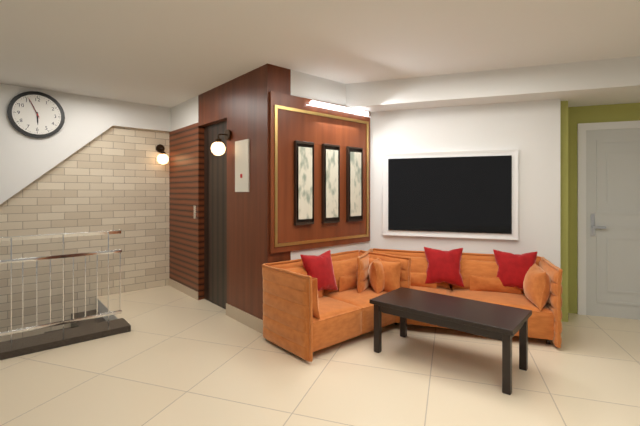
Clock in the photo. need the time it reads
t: 5:56
